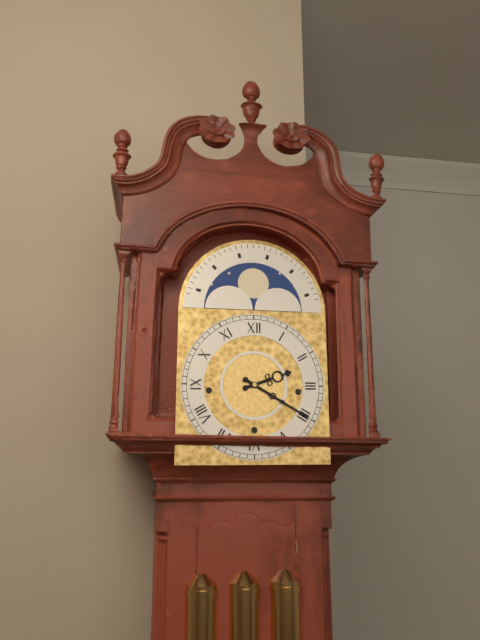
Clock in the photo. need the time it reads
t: 2:20
